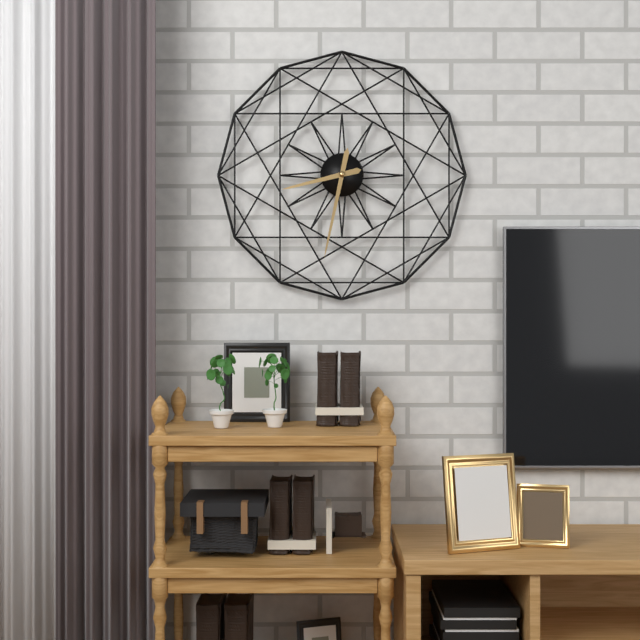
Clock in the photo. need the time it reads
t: 8:32
